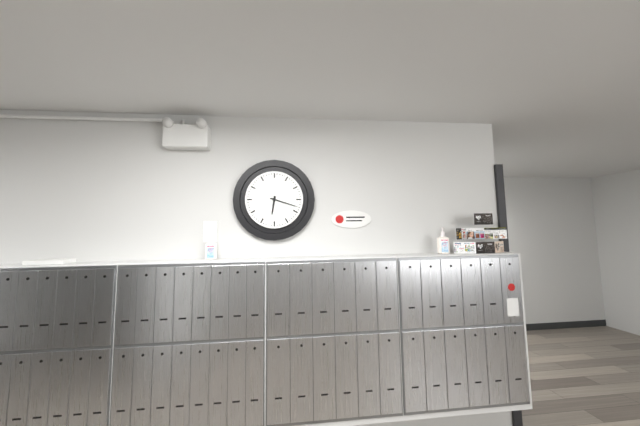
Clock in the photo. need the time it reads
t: 6:18
